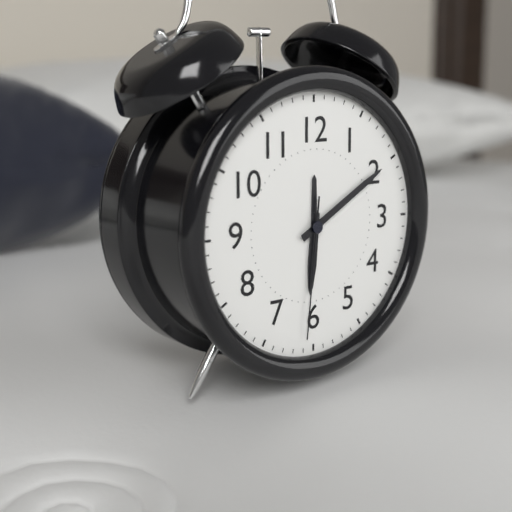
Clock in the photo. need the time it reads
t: 6:10:31
